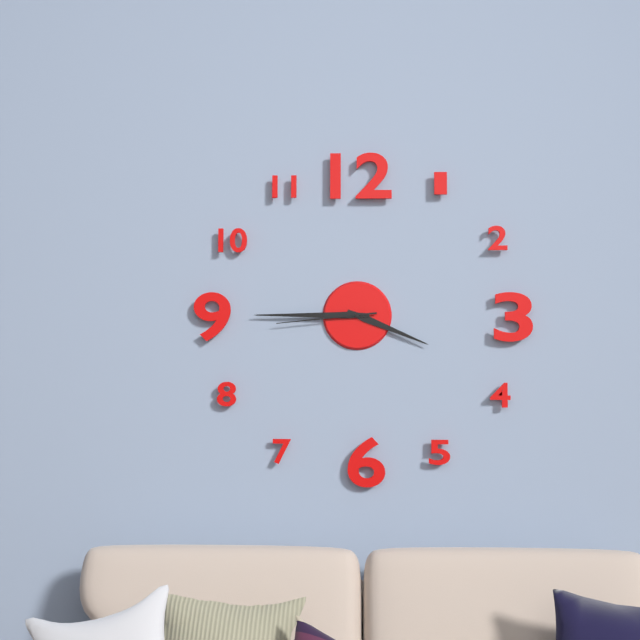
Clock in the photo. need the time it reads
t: 3:45:44
